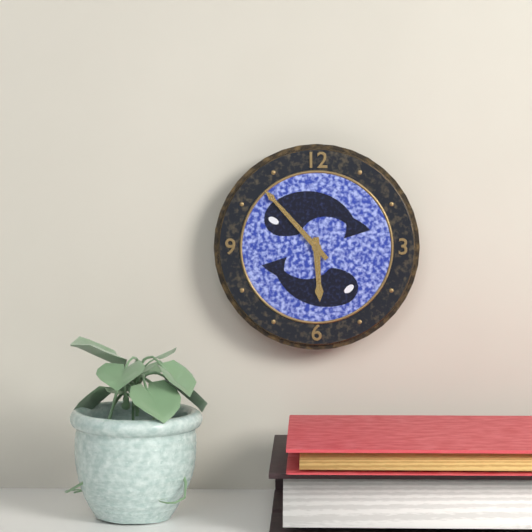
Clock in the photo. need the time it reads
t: 5:53
